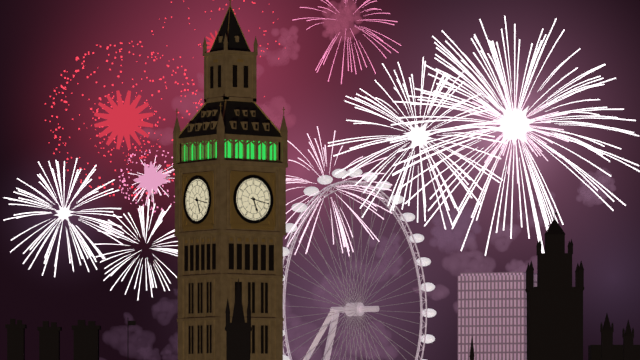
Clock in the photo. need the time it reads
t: 5:17
